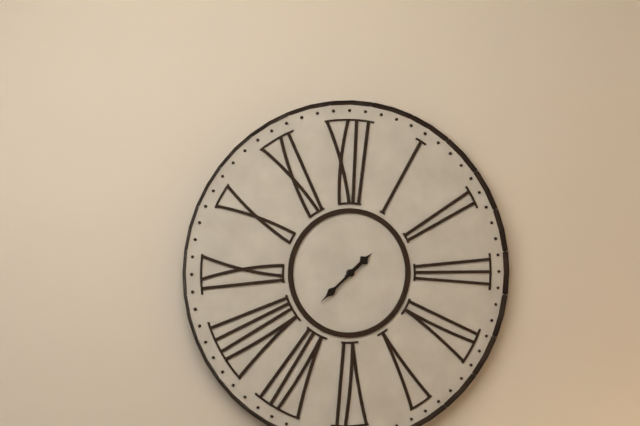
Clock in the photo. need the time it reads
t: 1:38
